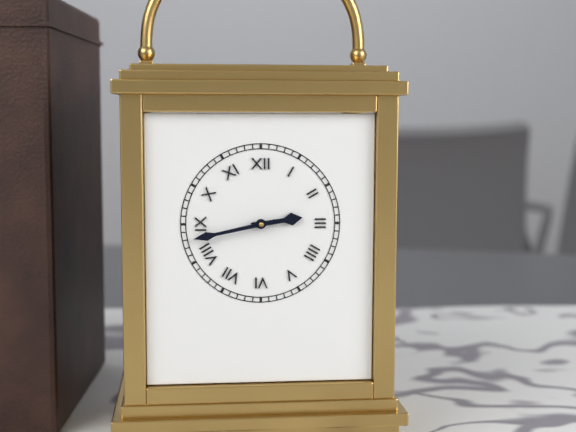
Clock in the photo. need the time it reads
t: 2:43
